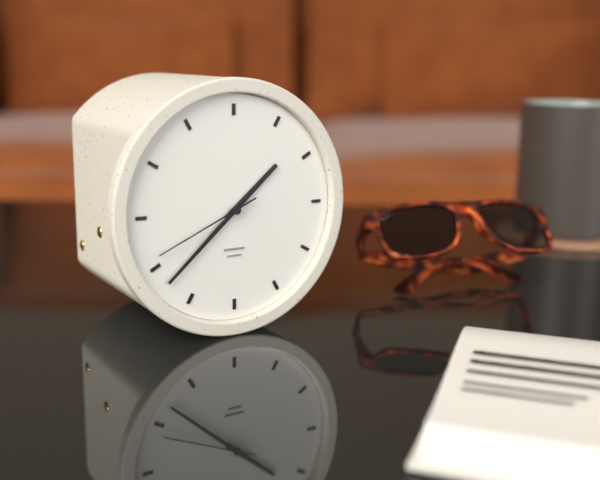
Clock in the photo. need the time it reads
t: 1:38:41
